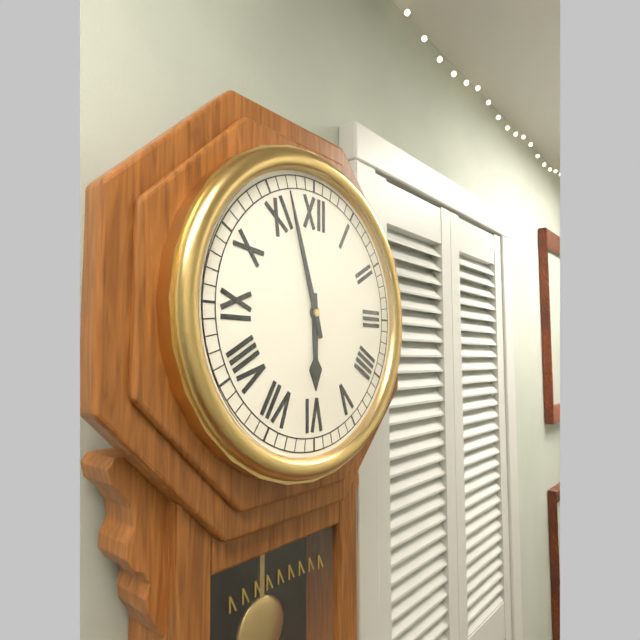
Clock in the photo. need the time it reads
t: 5:57
